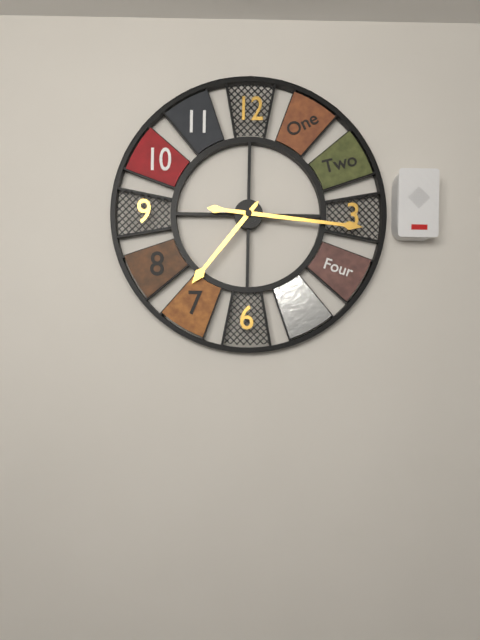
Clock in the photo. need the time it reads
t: 7:16
